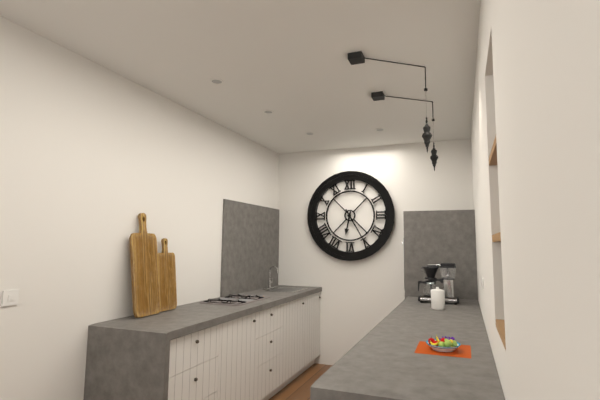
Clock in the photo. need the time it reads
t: 6:25
